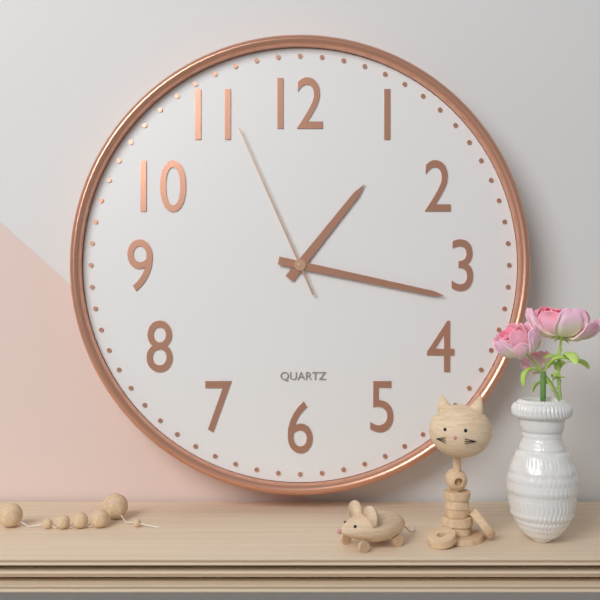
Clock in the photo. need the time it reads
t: 1:17:56
